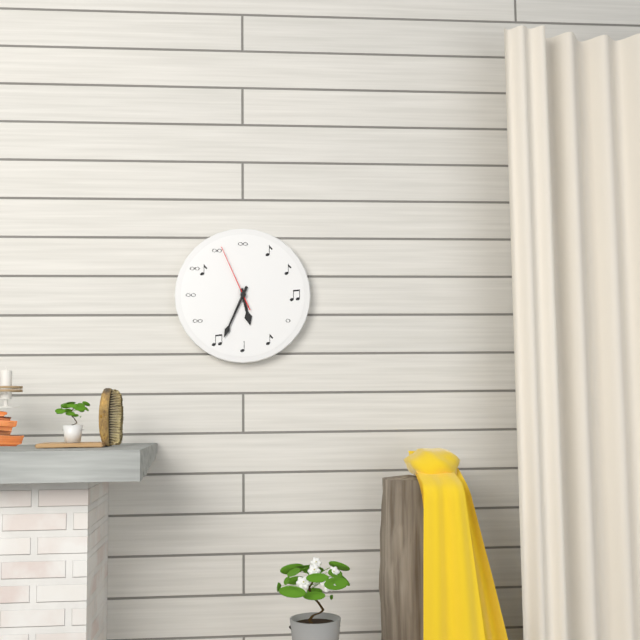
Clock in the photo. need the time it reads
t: 5:34:56
